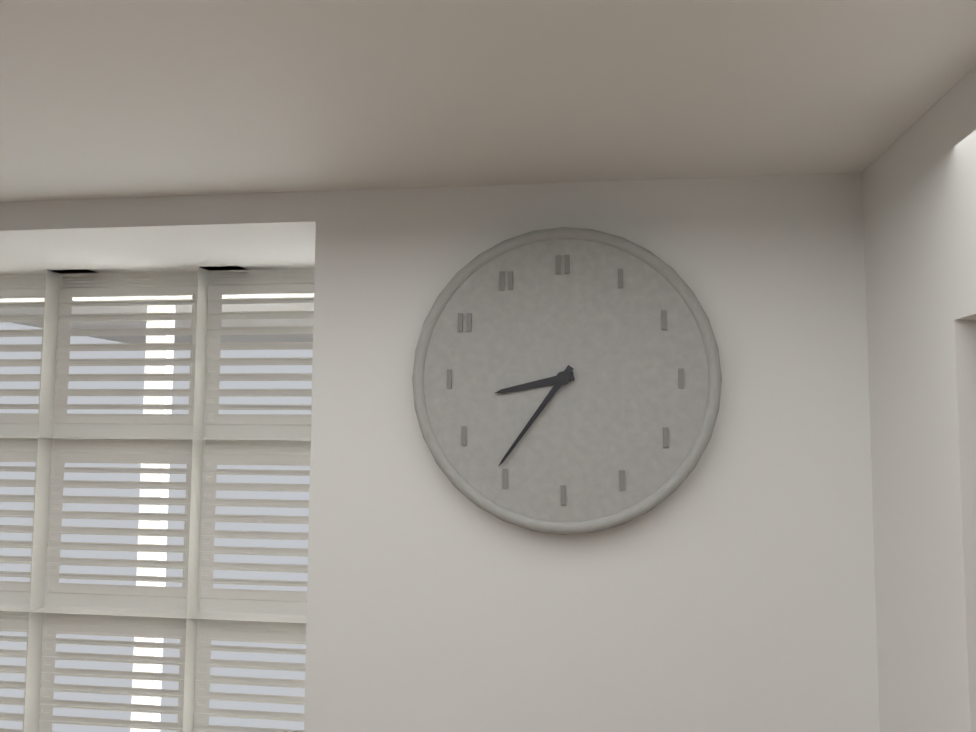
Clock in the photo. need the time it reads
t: 8:36
